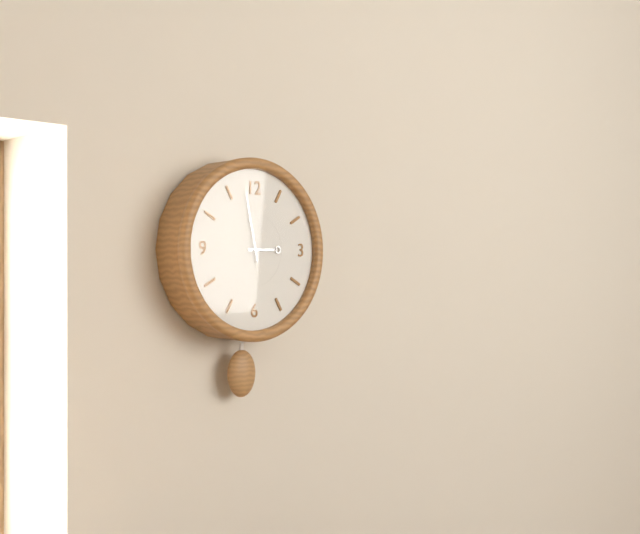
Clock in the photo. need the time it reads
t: 2:58
